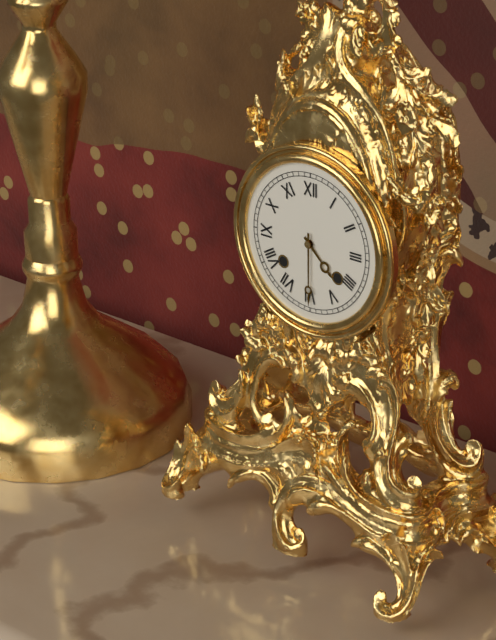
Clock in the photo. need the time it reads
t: 4:30
